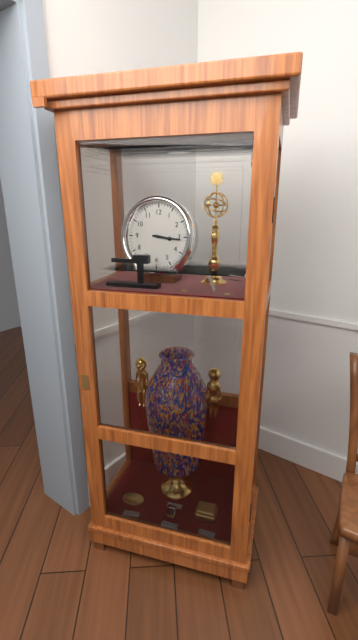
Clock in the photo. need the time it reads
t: 3:16
